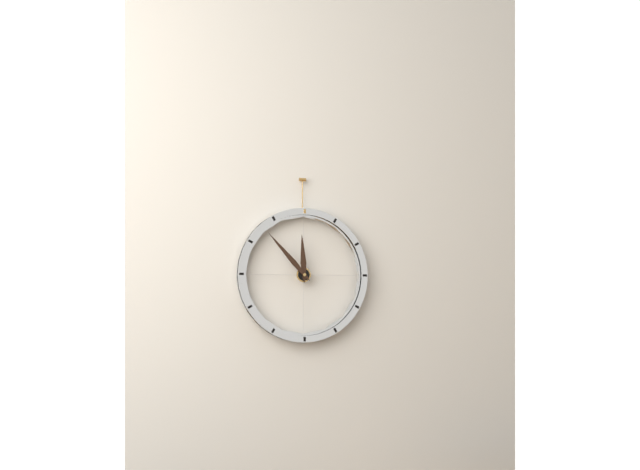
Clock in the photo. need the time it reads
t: 11:53
